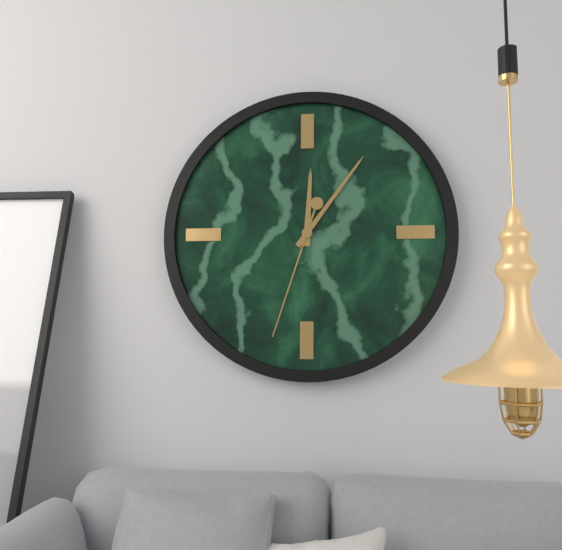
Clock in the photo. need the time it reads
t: 12:06:33
